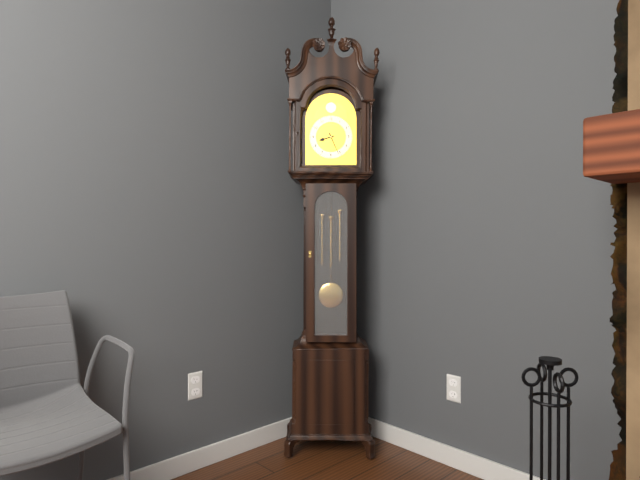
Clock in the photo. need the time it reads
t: 8:26
